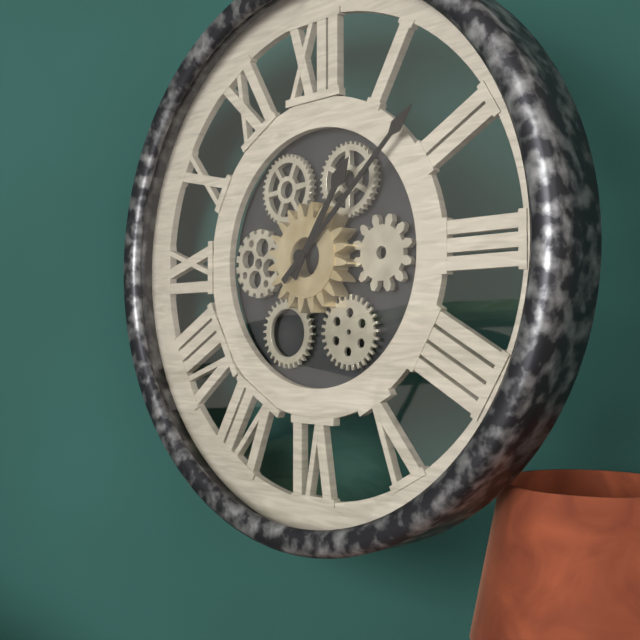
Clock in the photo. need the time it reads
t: 1:08
